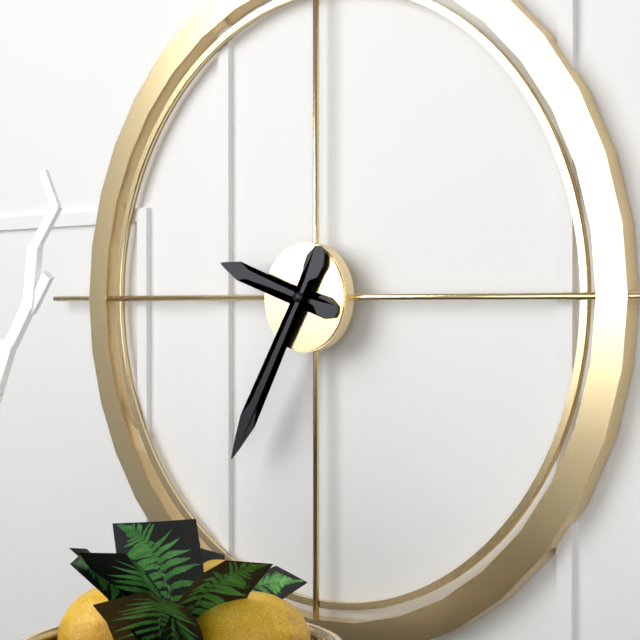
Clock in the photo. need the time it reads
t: 9:35
